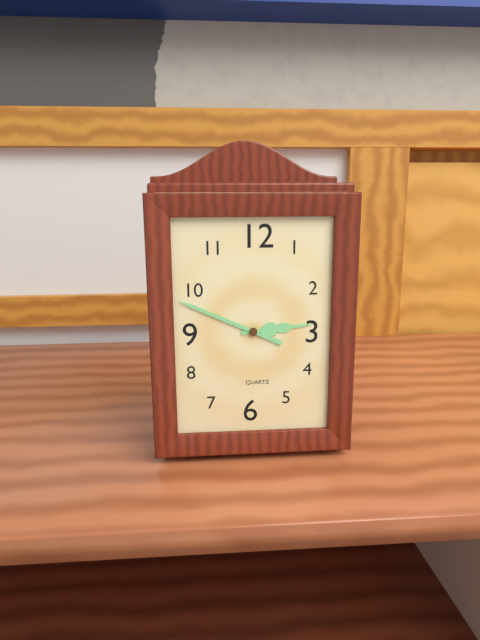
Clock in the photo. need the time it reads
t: 2:49
